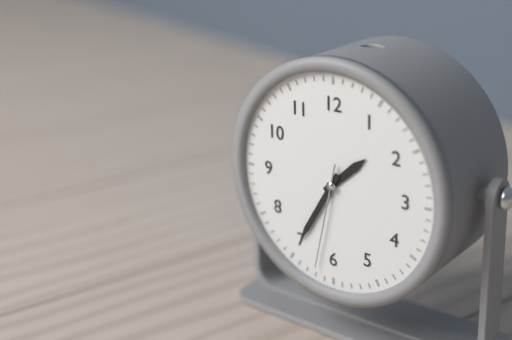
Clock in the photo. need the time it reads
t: 1:35:32
